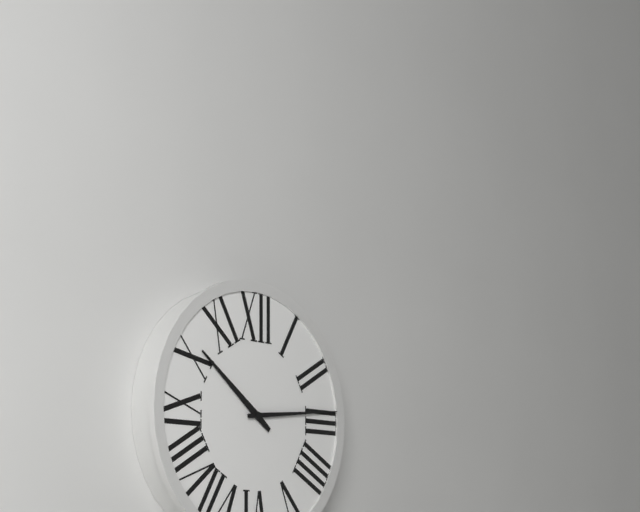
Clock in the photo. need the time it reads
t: 10:14
